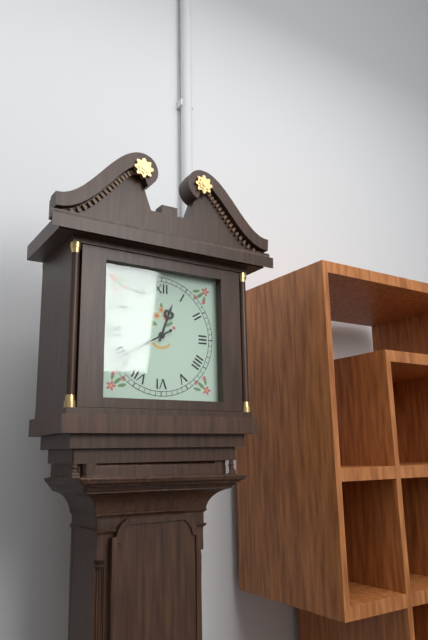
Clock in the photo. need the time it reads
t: 12:40
